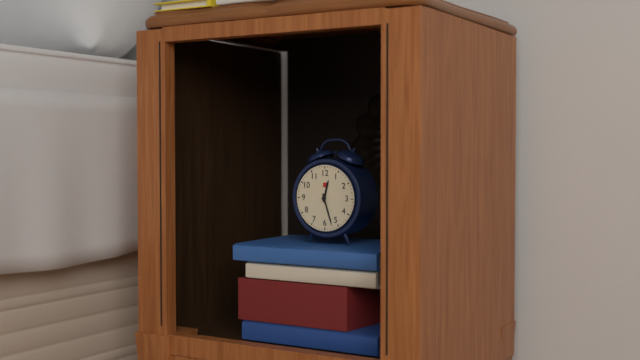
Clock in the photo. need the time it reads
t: 12:27
